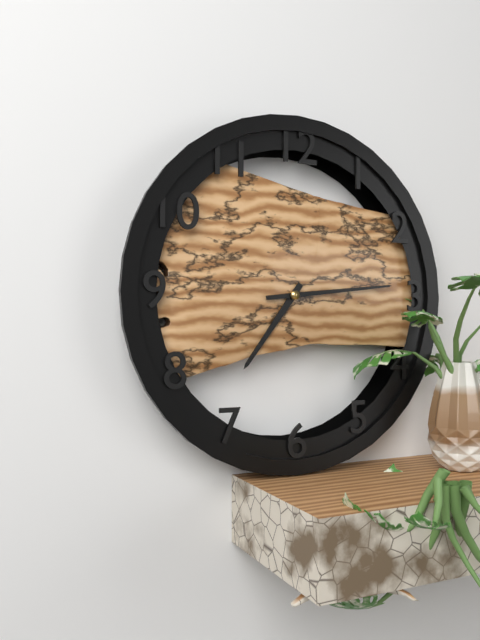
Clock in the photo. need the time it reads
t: 7:14
